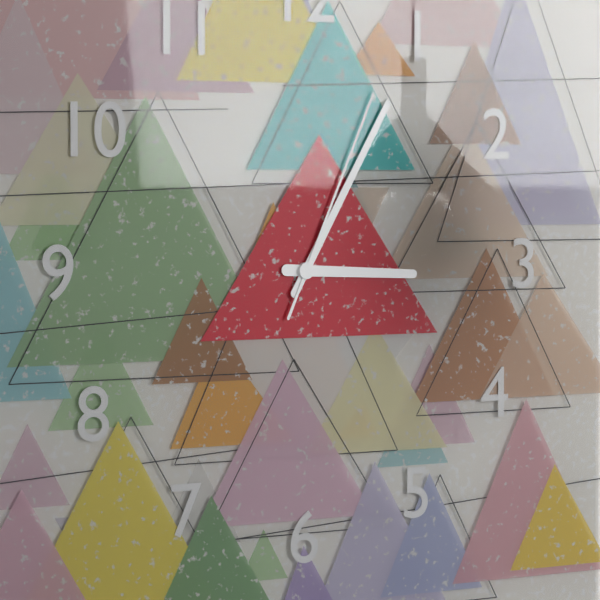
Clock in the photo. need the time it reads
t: 3:05:04
